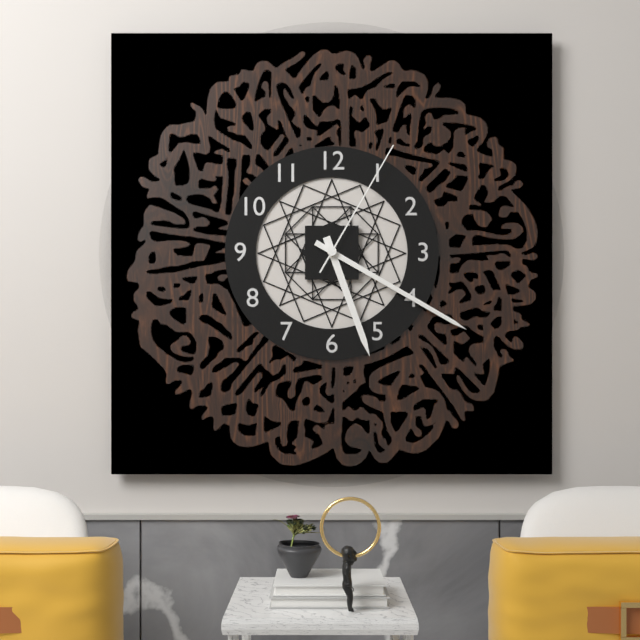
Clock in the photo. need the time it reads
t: 5:20:05
